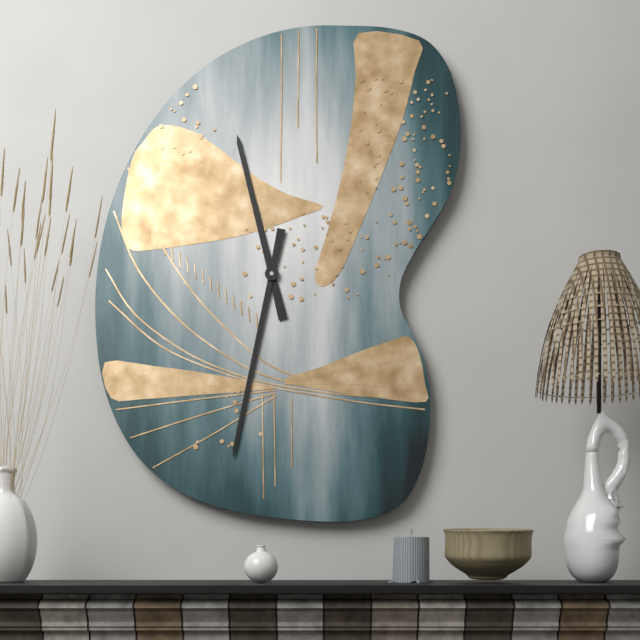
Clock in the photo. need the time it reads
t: 11:32
